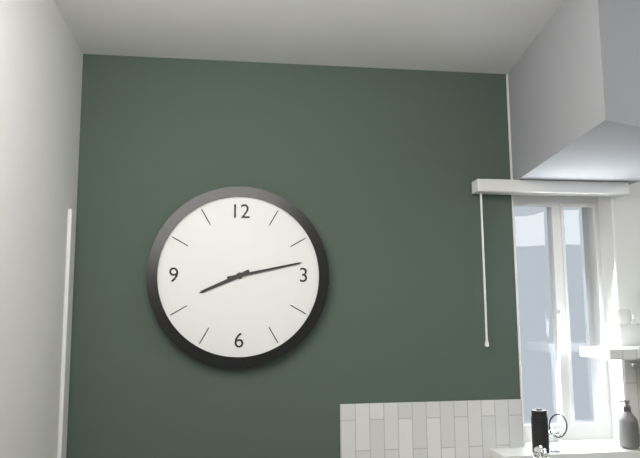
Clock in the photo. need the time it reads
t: 8:13
